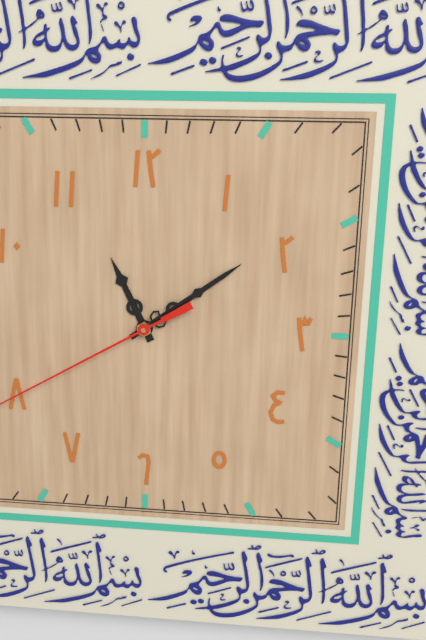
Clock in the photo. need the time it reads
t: 11:09
